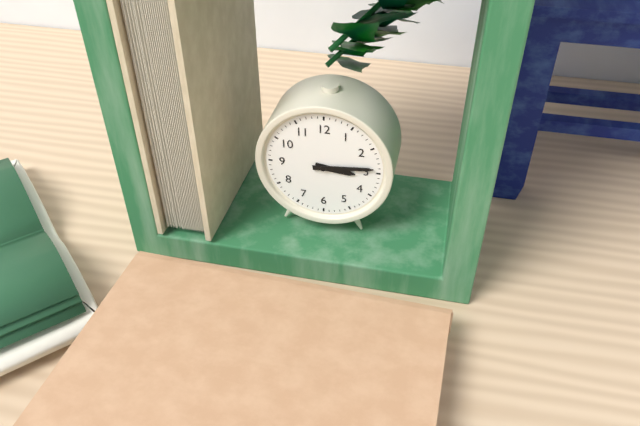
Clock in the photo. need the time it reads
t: 3:14
